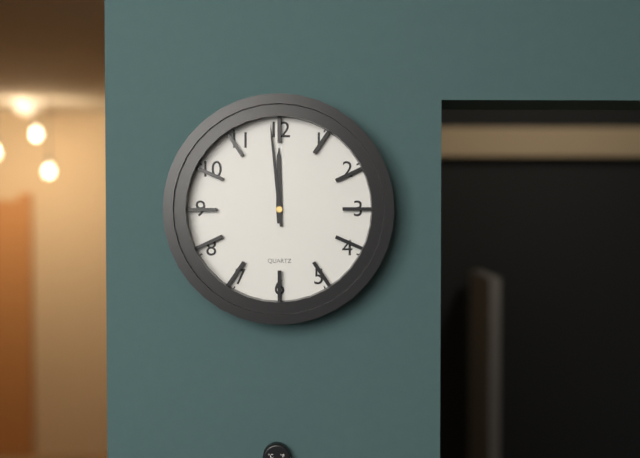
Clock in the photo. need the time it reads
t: 11:59
